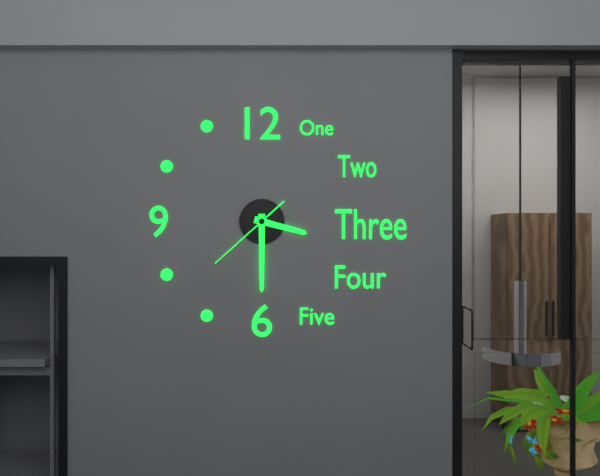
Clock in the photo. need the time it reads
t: 3:30:38
